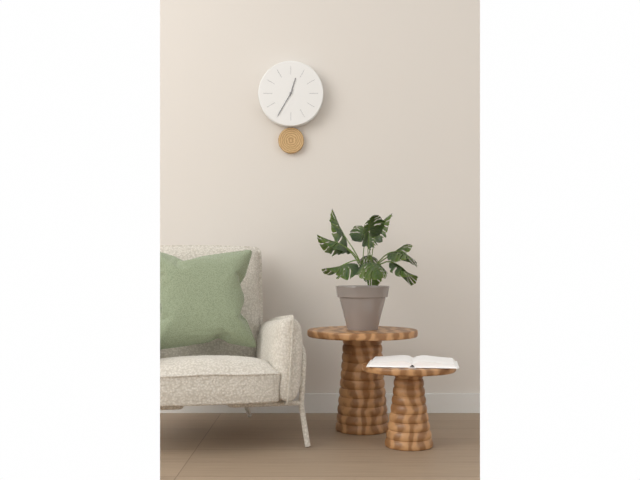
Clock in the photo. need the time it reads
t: 12:35
